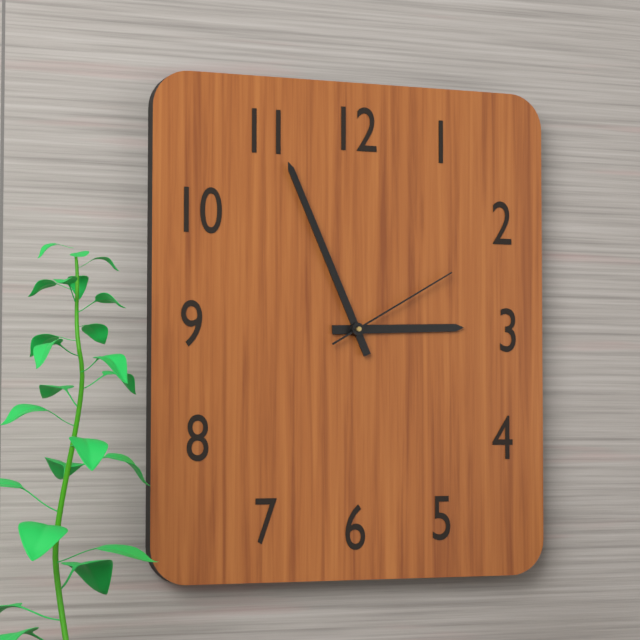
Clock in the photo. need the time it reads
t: 2:56:10
